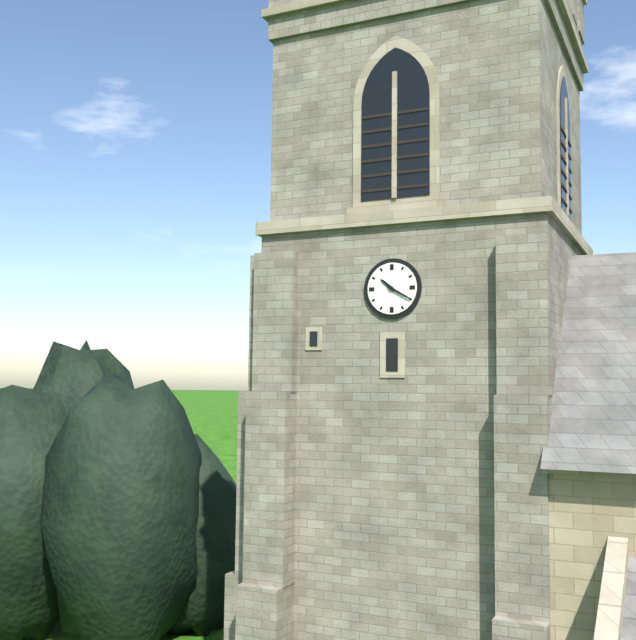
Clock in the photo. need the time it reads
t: 10:20
